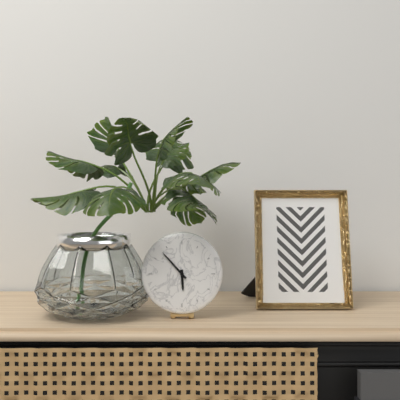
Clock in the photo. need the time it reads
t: 5:53
